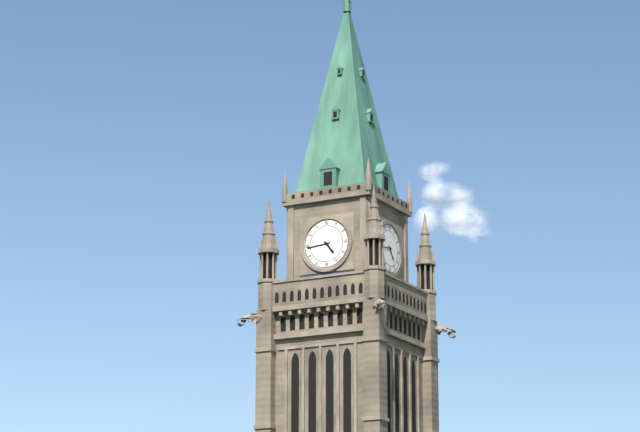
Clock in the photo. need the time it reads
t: 4:44
